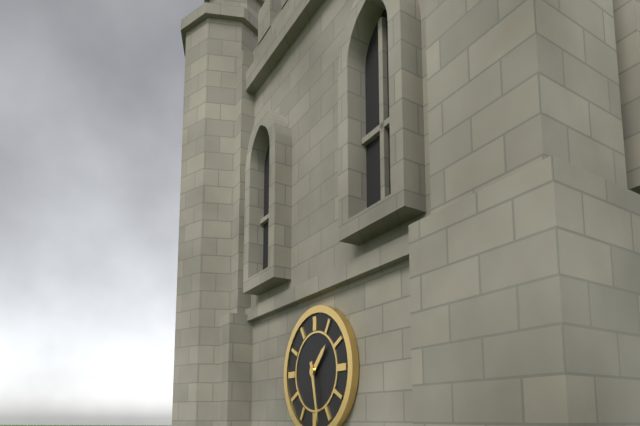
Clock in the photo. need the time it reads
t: 1:28
